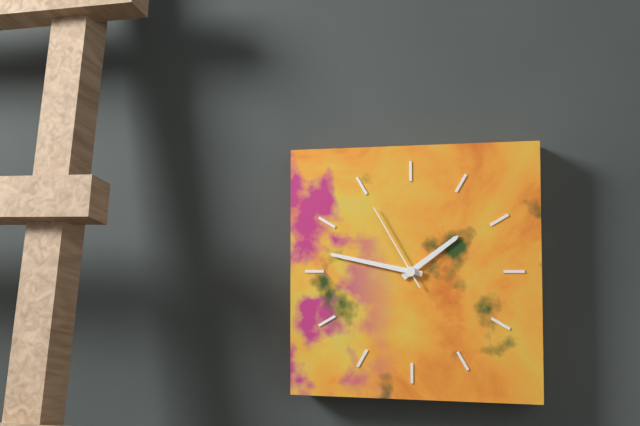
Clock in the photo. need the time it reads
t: 1:47:55
